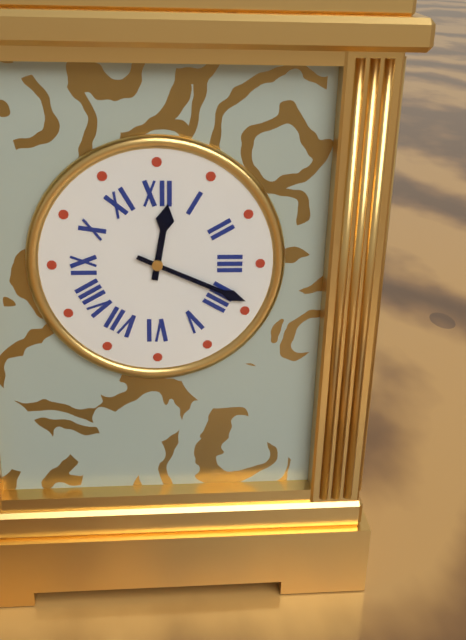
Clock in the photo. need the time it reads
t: 12:19
